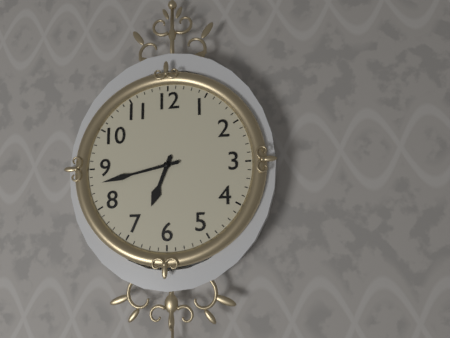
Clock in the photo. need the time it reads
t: 6:43
